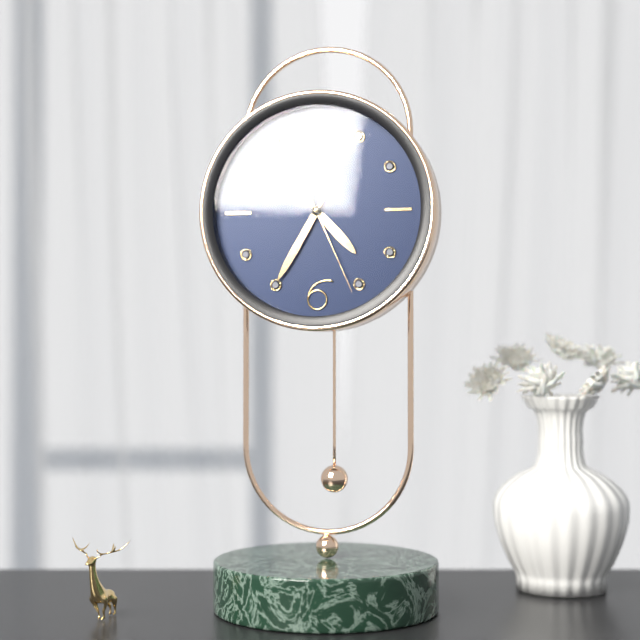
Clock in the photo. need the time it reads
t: 4:35:26
